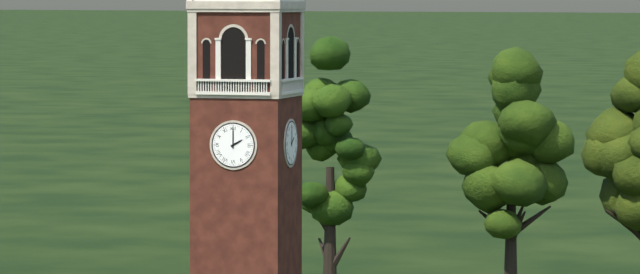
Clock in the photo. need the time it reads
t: 2:00
